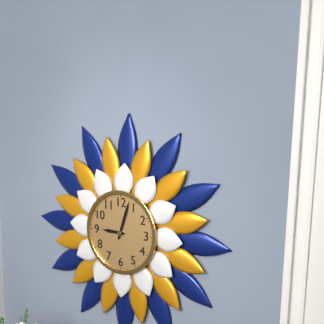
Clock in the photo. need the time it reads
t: 9:03
